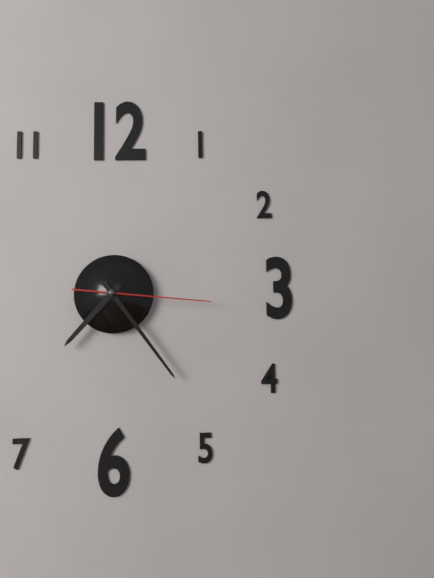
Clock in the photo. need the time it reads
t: 7:24:16
